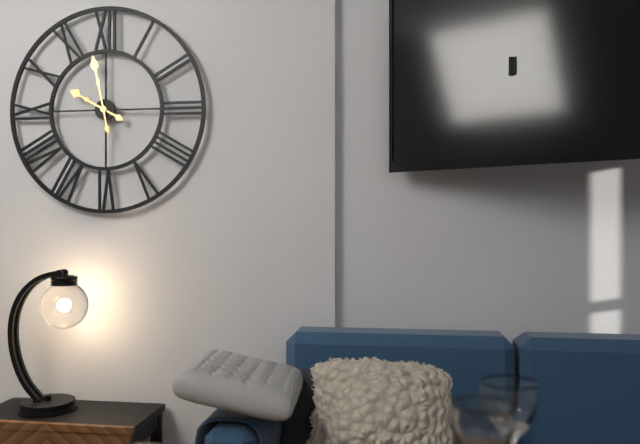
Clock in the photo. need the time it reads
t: 9:58
